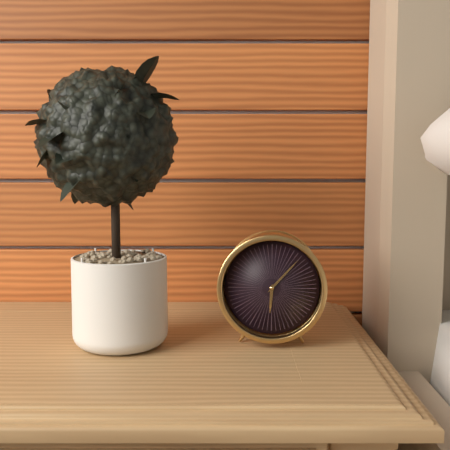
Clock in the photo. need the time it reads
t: 6:07
